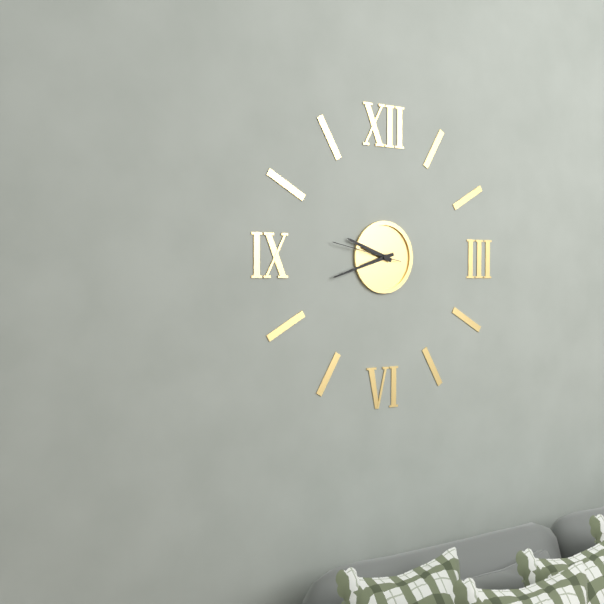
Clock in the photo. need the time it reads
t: 9:42:47
